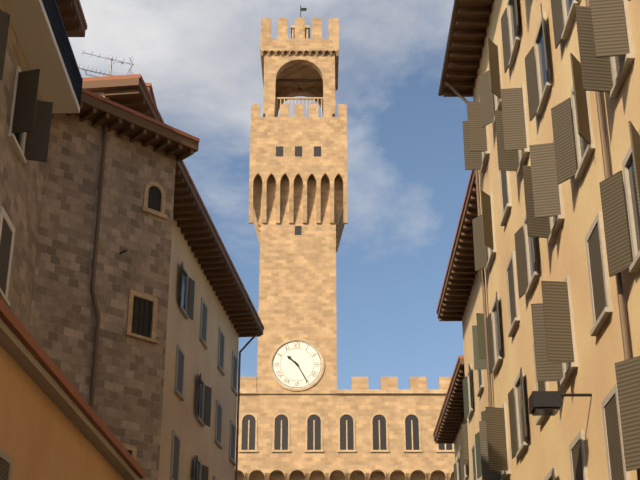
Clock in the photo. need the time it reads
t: 10:25
